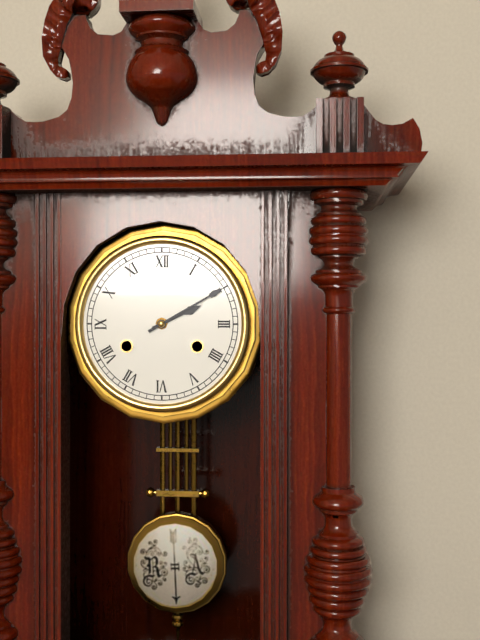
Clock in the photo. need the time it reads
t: 2:10
